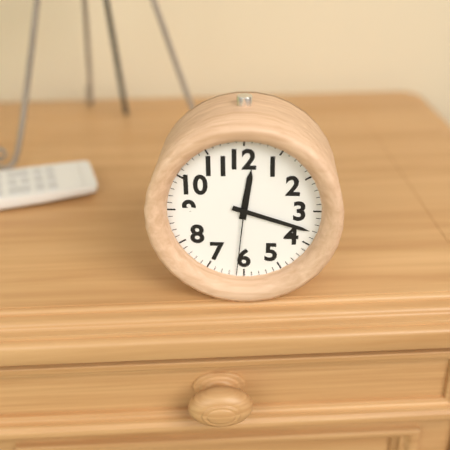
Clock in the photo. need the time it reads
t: 12:18:31
